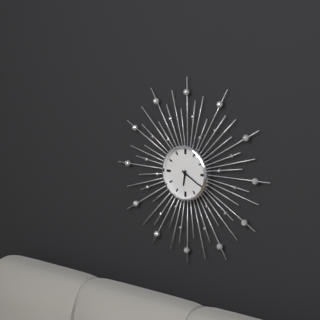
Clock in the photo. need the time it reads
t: 6:20
